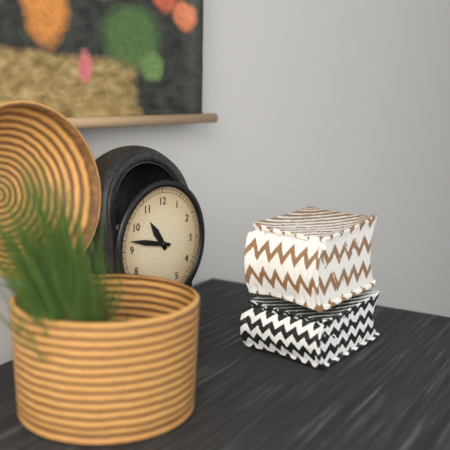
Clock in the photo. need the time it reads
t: 10:47
